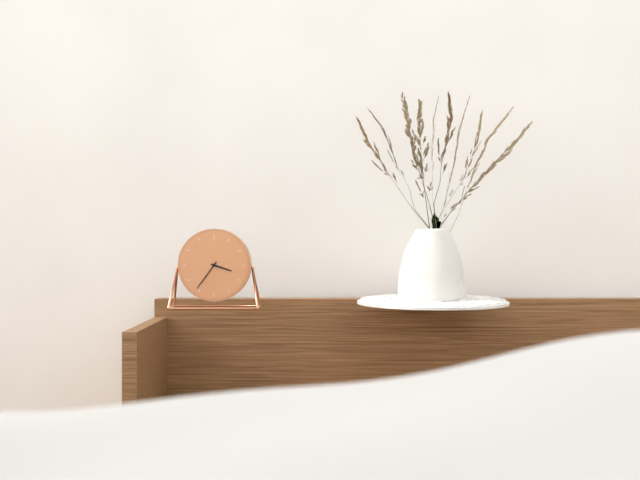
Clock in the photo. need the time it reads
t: 3:36
